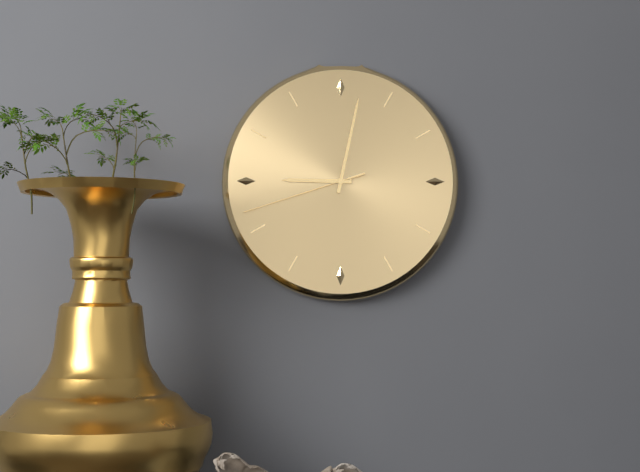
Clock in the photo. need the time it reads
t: 9:02:42
